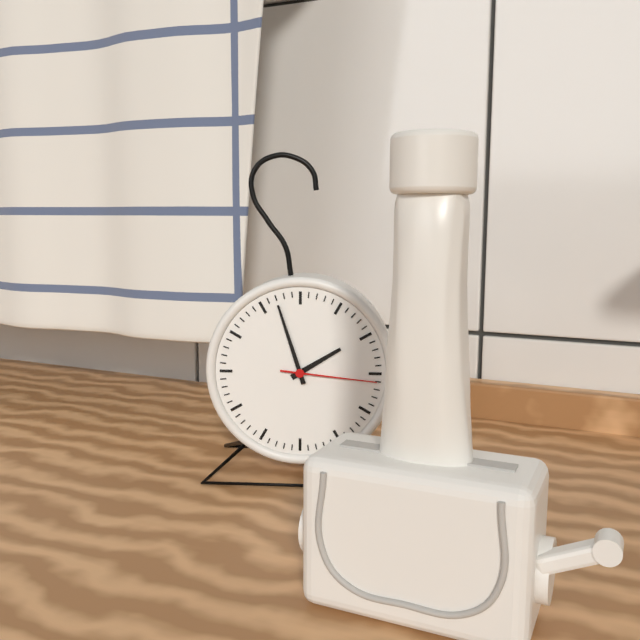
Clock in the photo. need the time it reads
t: 1:57:16
